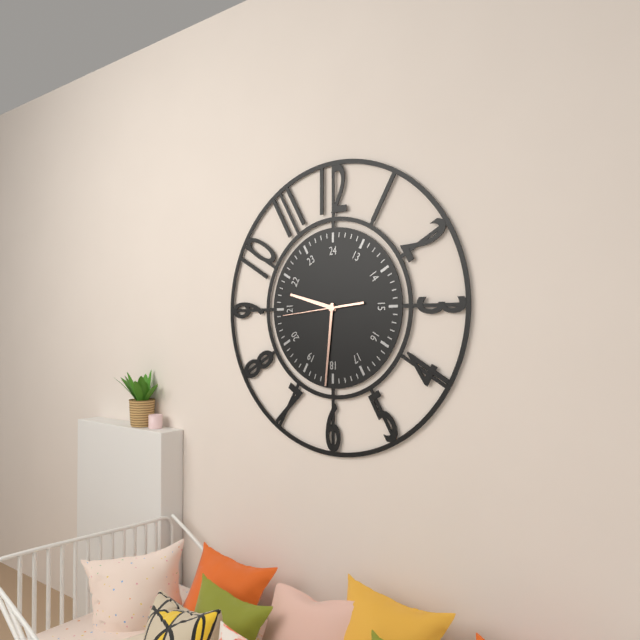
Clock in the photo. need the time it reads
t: 9:31:44
